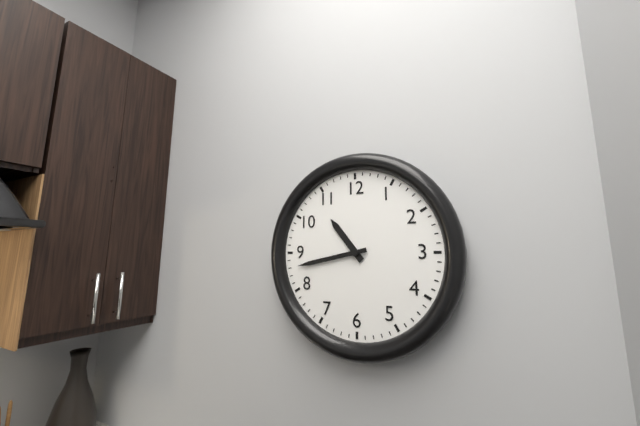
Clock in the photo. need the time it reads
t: 10:43
